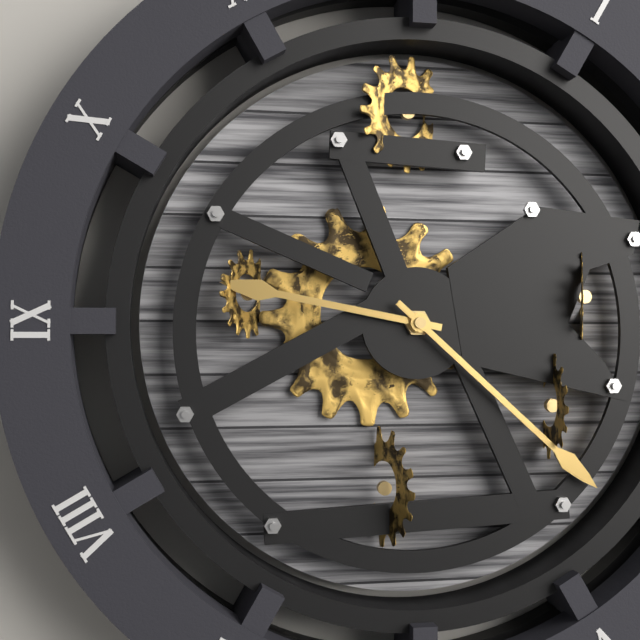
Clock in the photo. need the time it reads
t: 9:22
